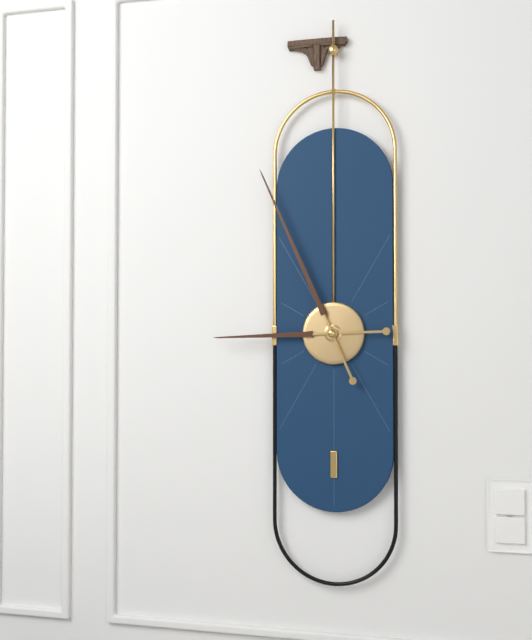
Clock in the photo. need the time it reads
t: 8:56
